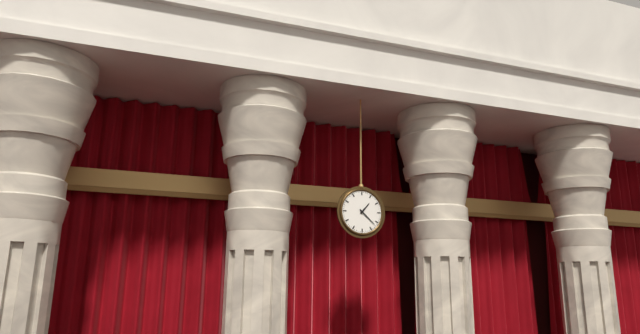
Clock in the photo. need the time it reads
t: 1:22
